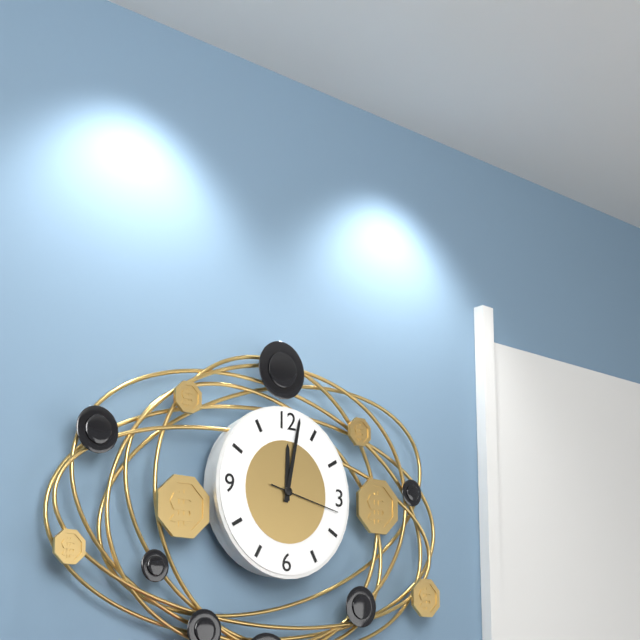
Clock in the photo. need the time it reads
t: 12:02:17
